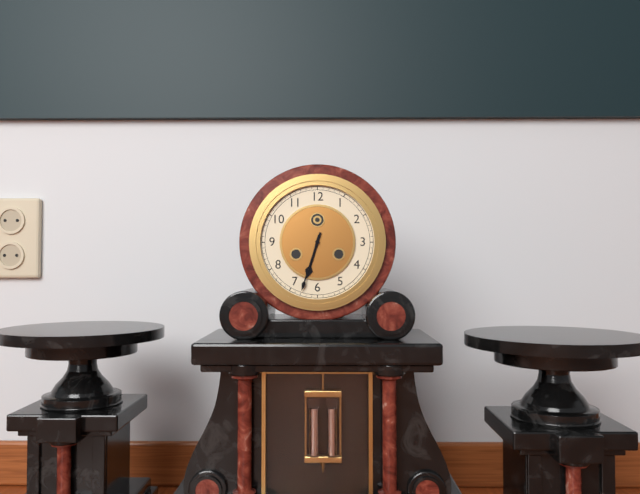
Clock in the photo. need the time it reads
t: 6:33
